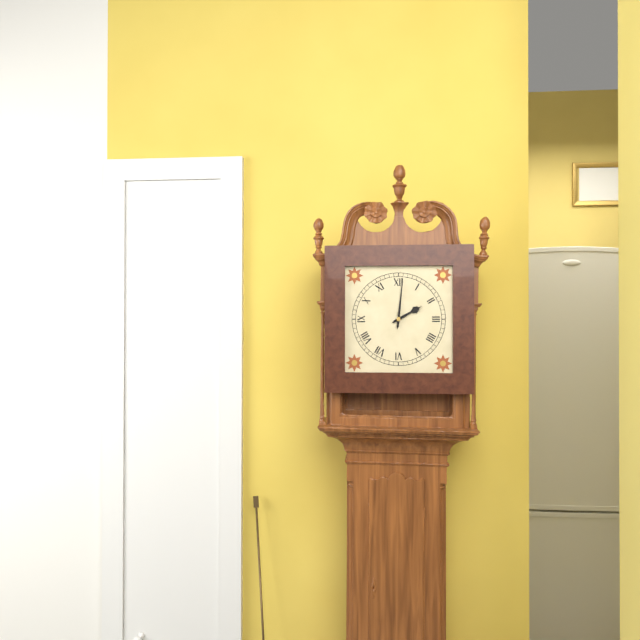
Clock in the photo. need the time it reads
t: 2:01
